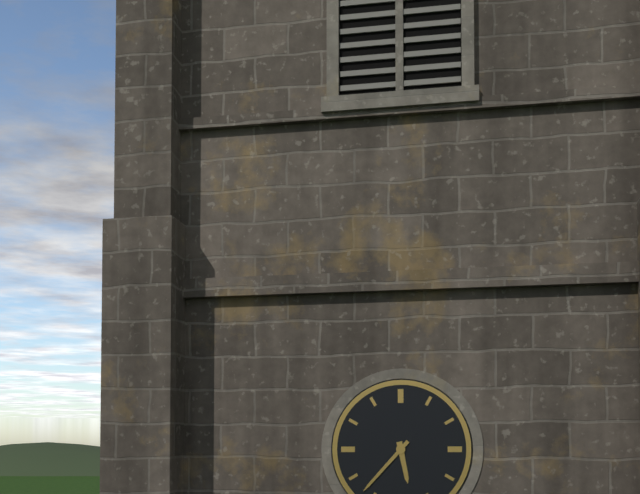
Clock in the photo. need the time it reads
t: 5:37
